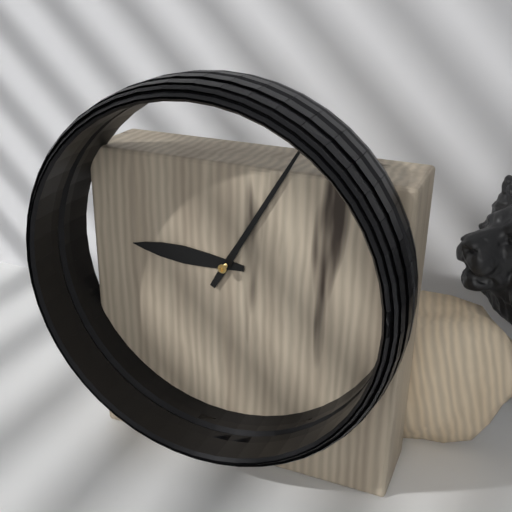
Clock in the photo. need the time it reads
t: 9:05
